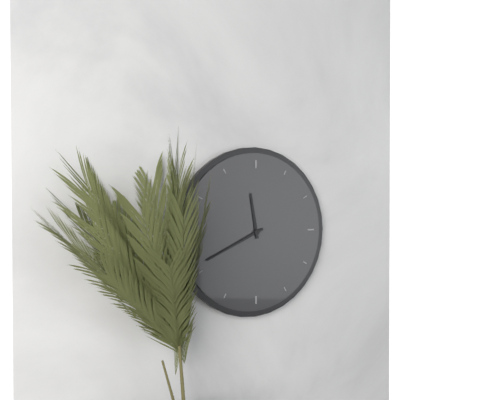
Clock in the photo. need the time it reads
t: 11:41
